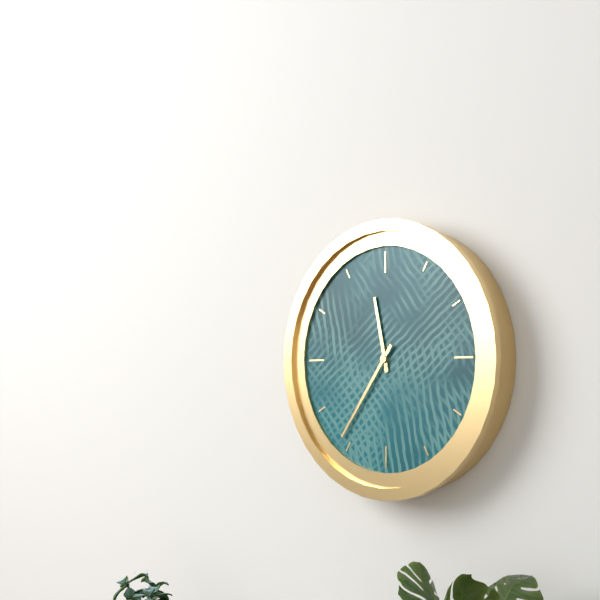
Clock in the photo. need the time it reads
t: 11:36
